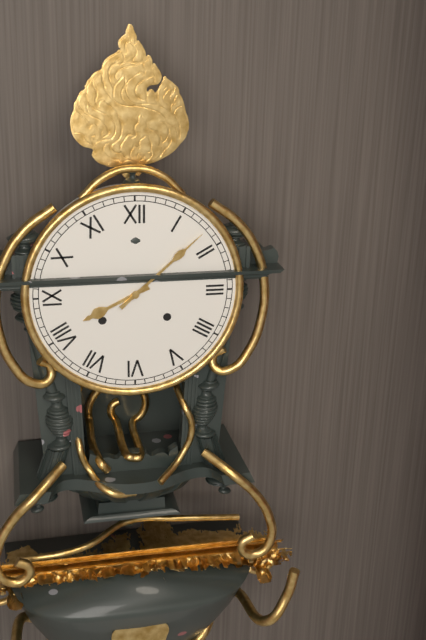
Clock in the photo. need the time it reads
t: 8:08
